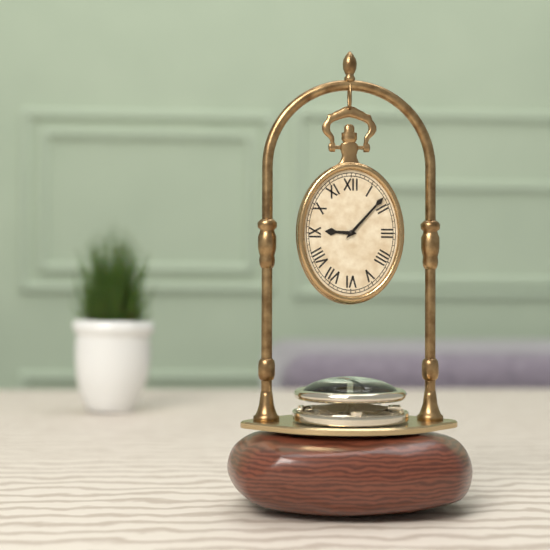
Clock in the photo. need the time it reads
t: 9:07
